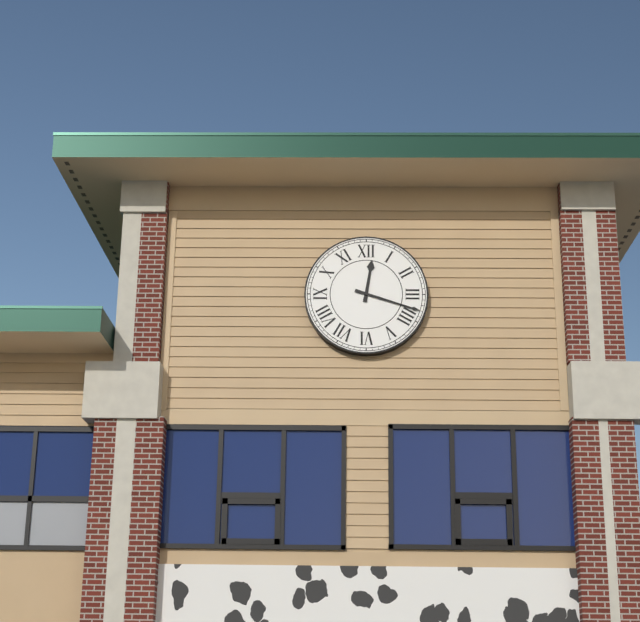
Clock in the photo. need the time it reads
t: 12:18
